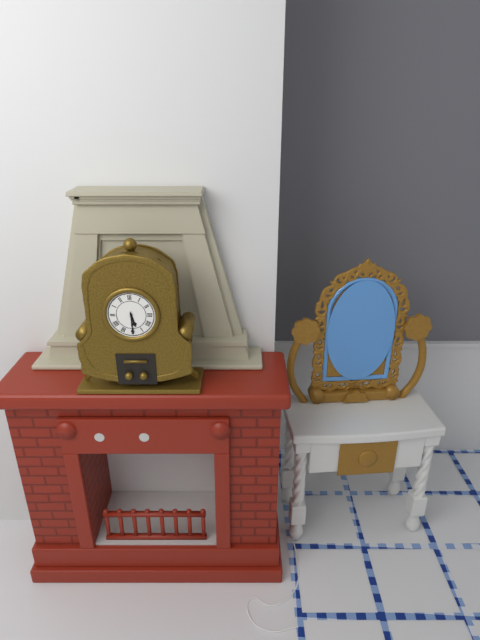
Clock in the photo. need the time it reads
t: 5:30
